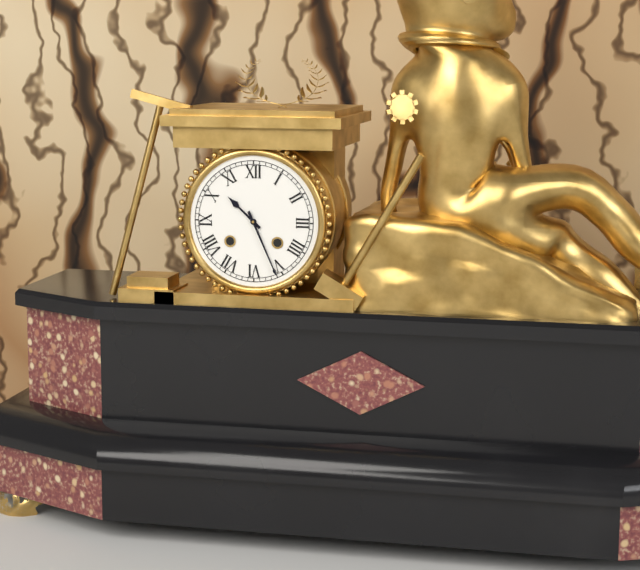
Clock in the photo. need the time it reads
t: 10:26
